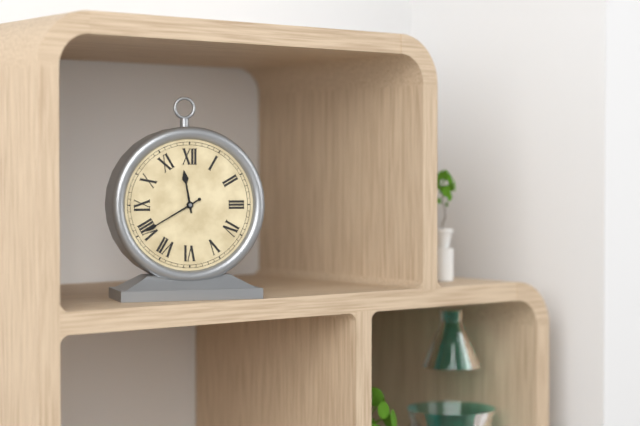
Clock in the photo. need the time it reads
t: 11:40
